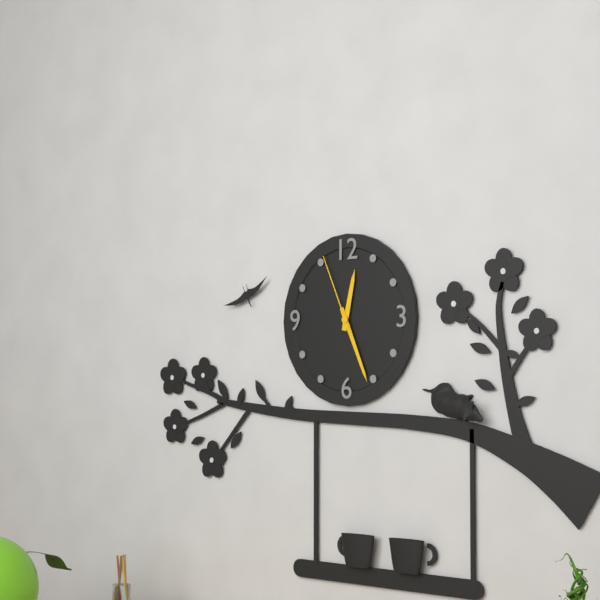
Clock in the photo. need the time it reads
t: 12:26:56
